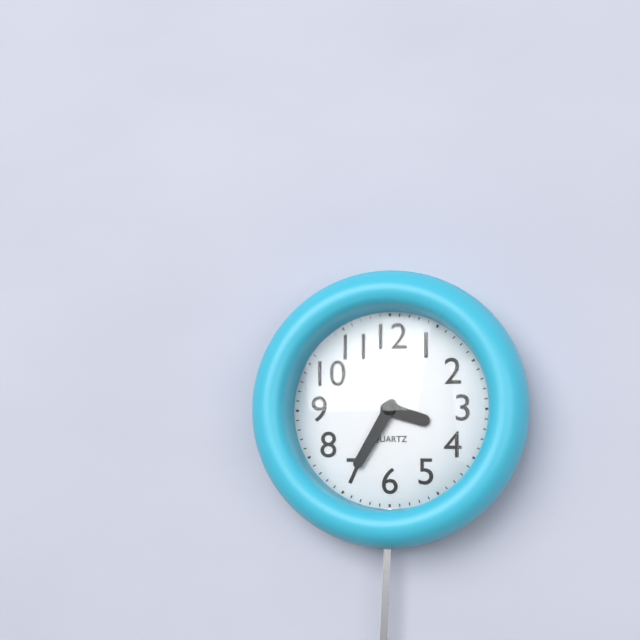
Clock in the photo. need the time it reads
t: 3:35
